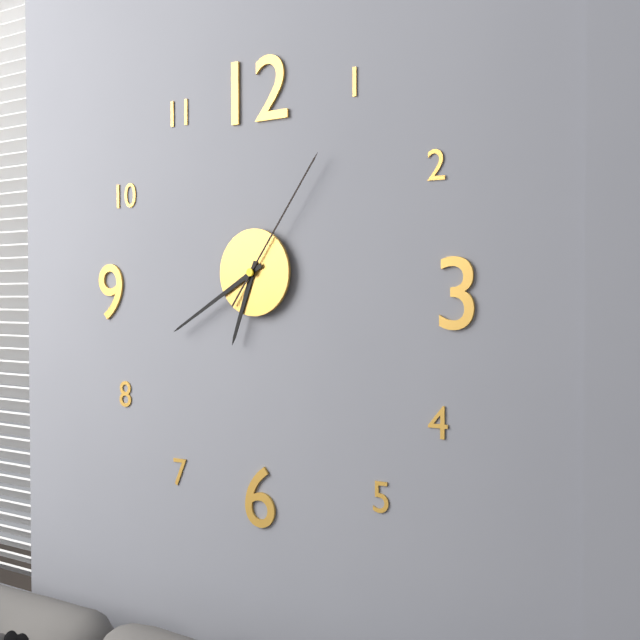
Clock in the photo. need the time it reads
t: 6:40:06
